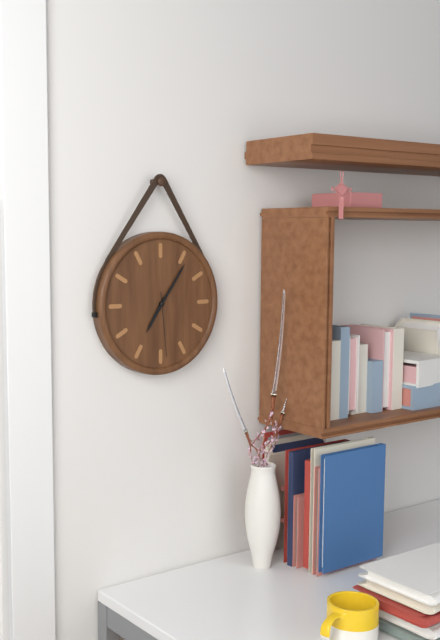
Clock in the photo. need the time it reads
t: 7:06:29
